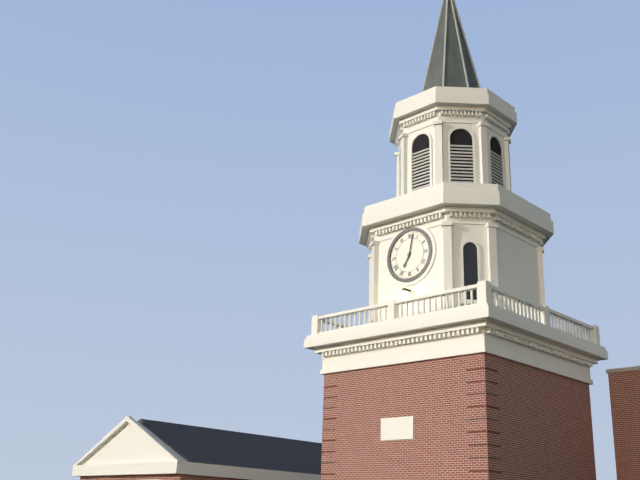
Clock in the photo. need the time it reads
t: 7:02
